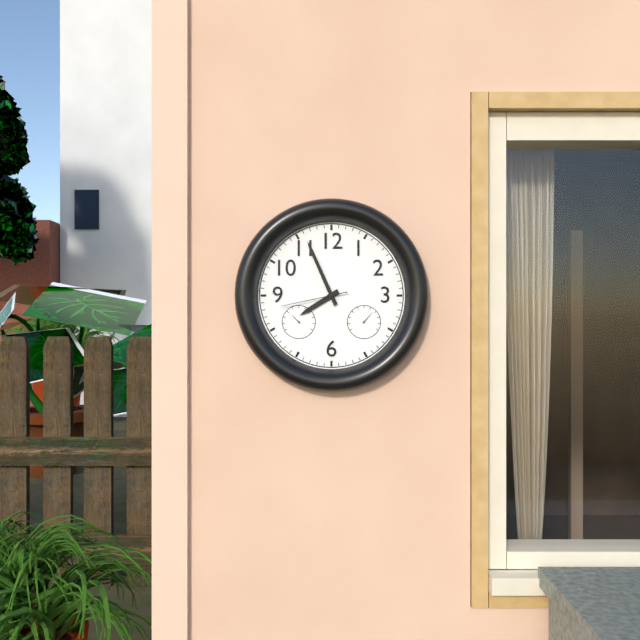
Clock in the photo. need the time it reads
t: 7:56:43
